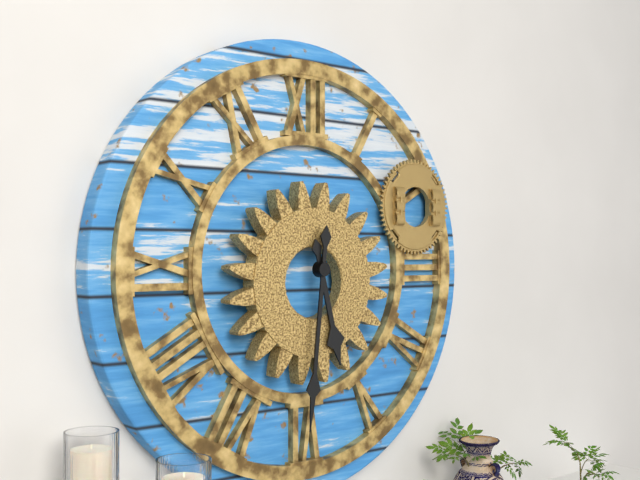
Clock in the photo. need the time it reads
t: 5:31
